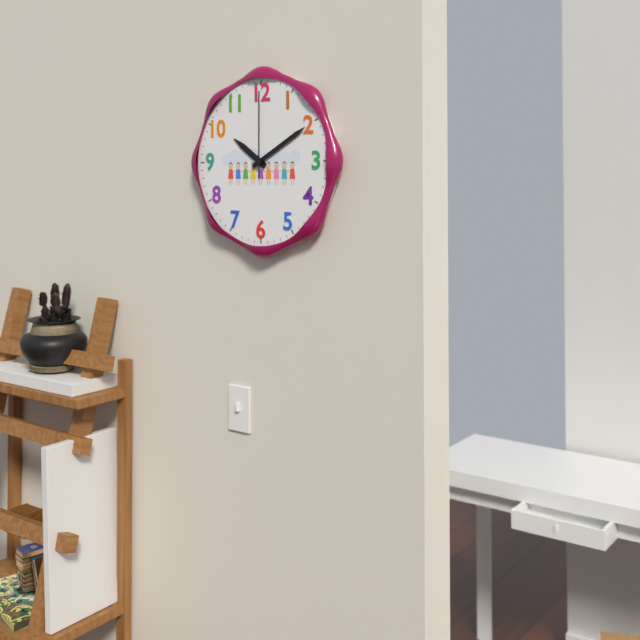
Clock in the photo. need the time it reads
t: 10:10:00
